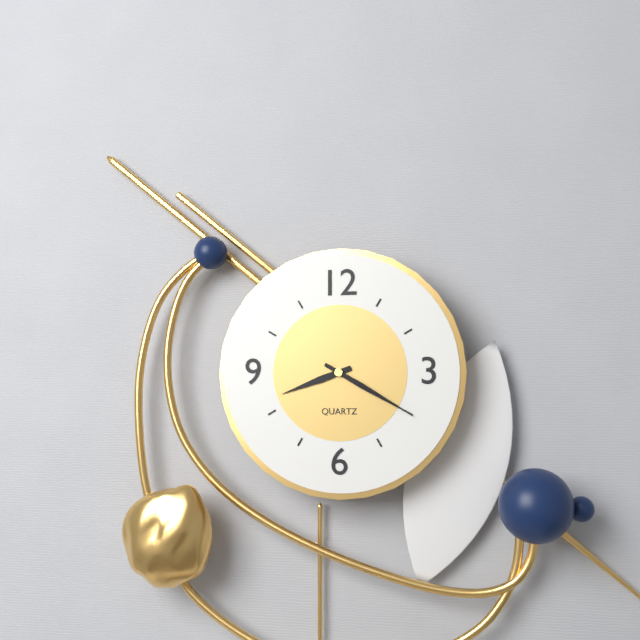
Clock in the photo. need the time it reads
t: 8:20
